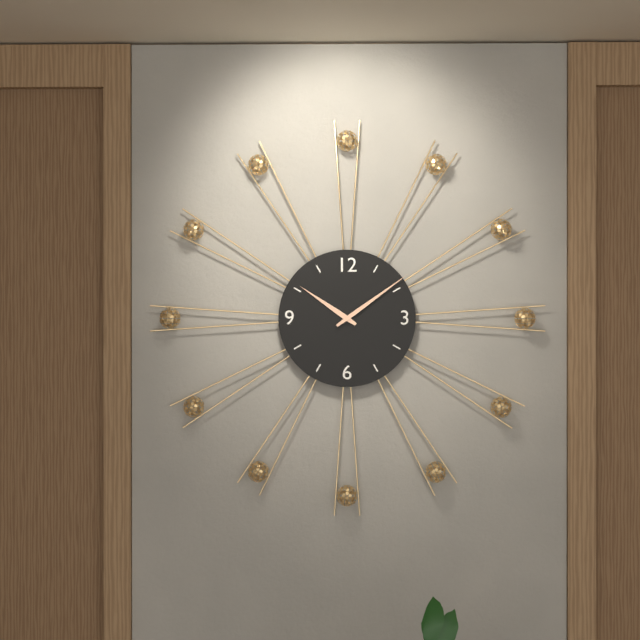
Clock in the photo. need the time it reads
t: 10:09
